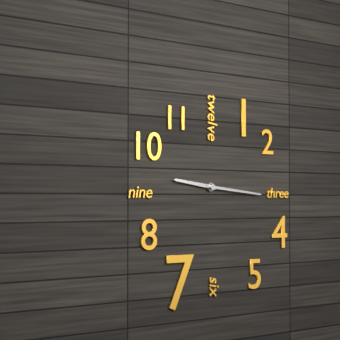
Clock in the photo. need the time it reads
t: 9:16
